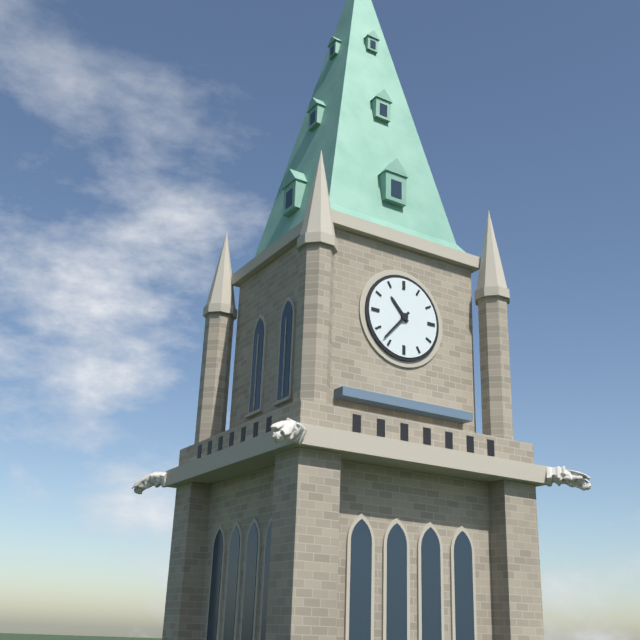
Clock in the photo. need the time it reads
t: 10:37
